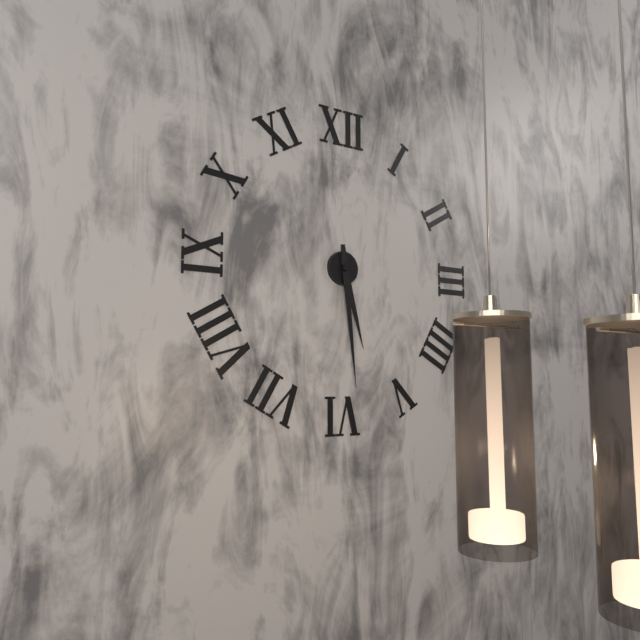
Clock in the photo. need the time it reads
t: 5:29
